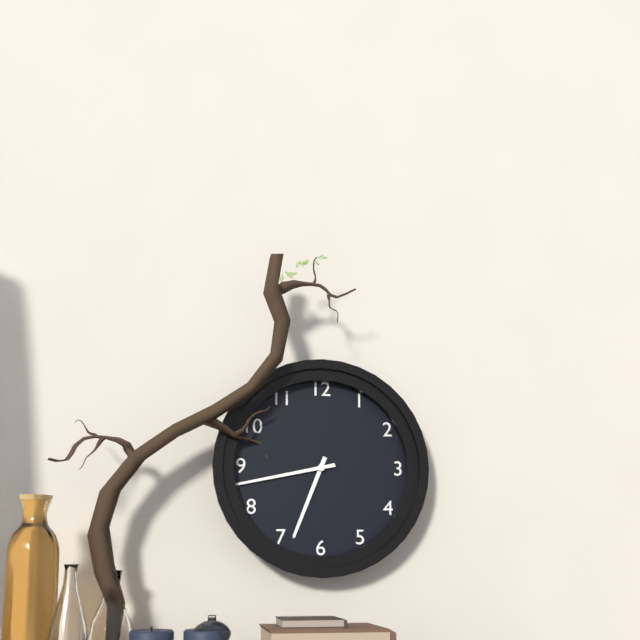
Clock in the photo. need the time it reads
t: 6:43
